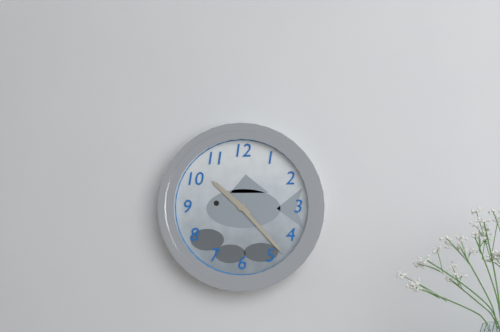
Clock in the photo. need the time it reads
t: 10:23
